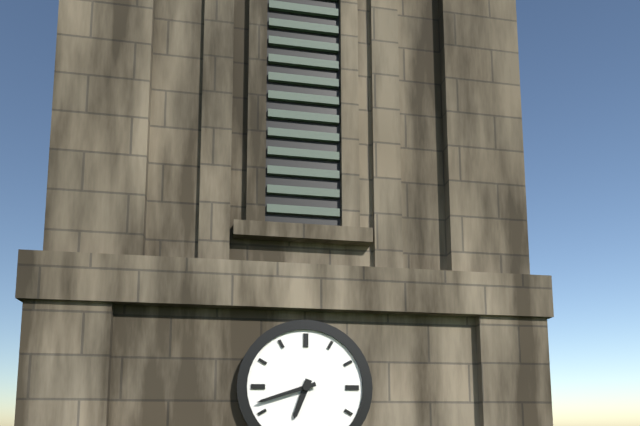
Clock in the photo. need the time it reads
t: 6:42
